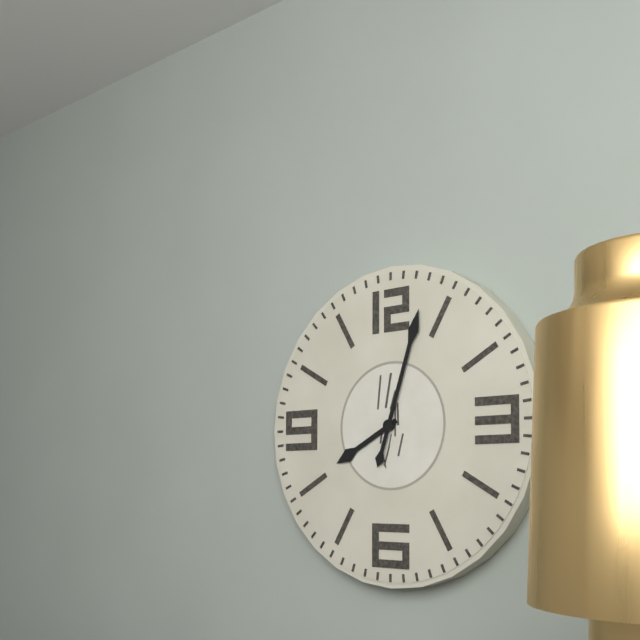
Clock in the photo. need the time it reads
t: 8:03
